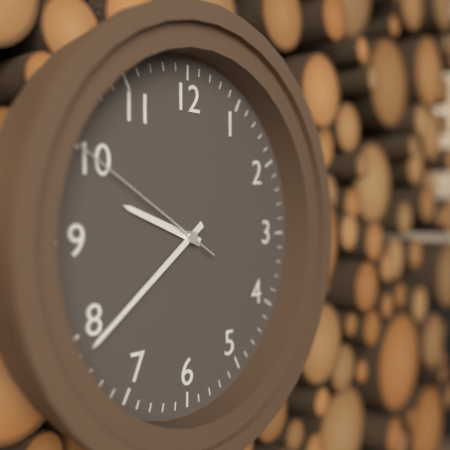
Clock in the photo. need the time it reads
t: 9:39:50
